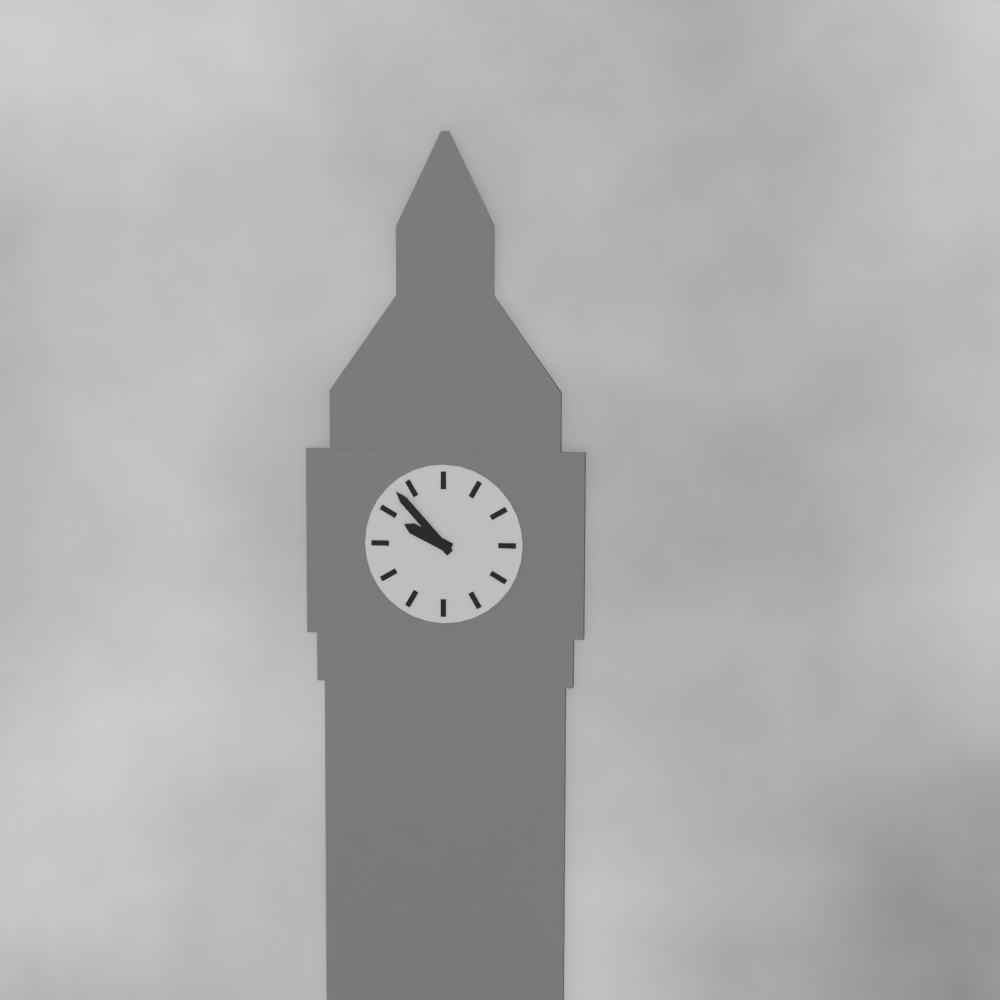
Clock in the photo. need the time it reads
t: 9:53
